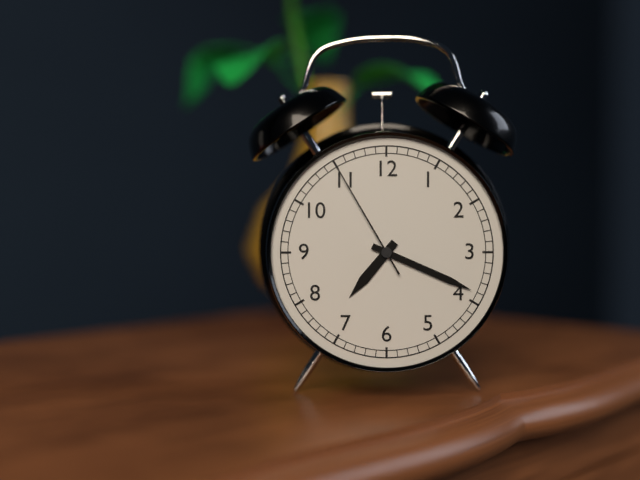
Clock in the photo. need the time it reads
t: 7:19:55
